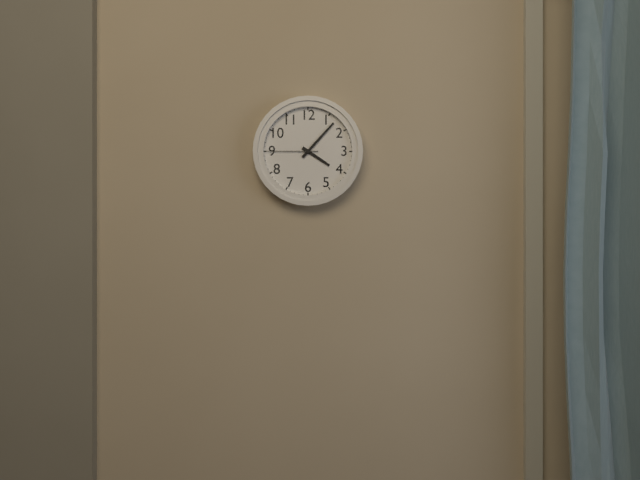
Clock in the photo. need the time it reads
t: 4:07:45
